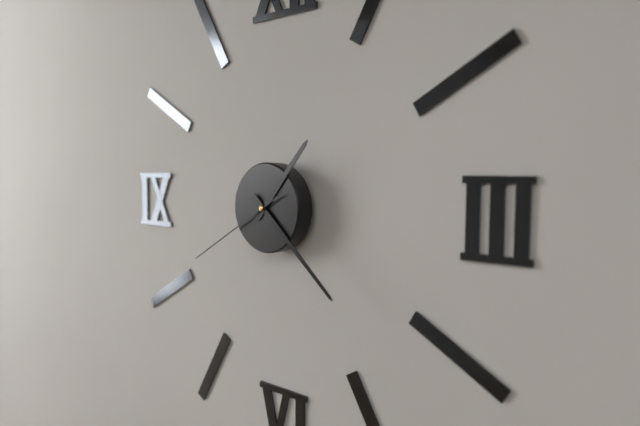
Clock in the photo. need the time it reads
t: 1:22:40
